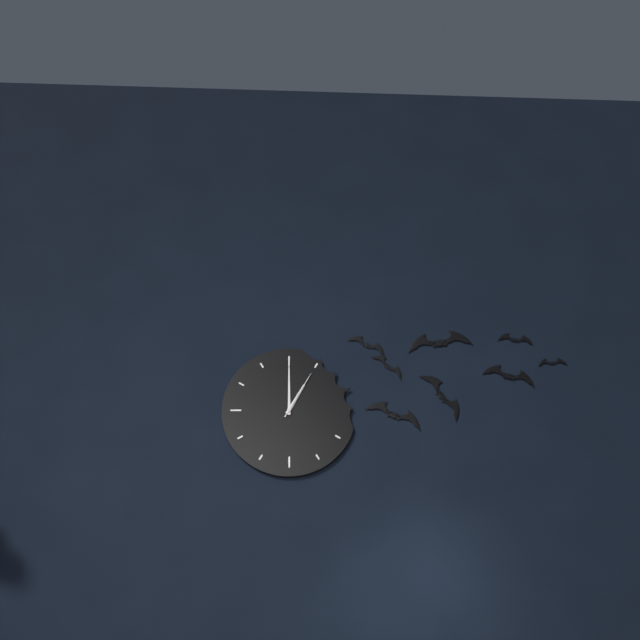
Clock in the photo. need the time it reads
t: 1:00:05
